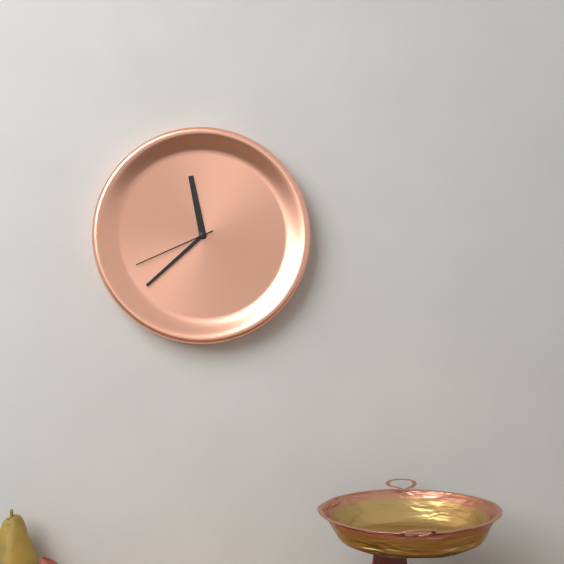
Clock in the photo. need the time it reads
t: 11:38:41
